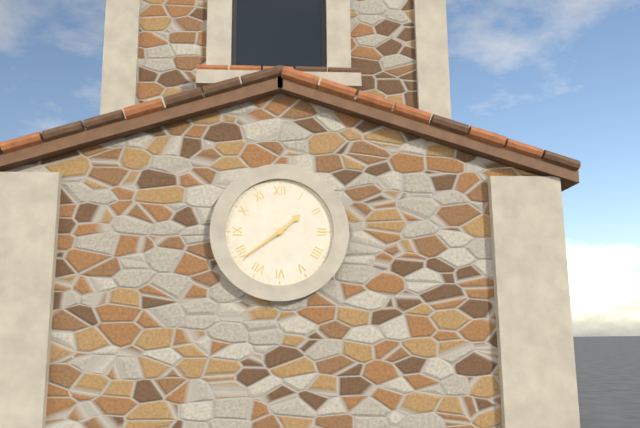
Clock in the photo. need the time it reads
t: 1:39
